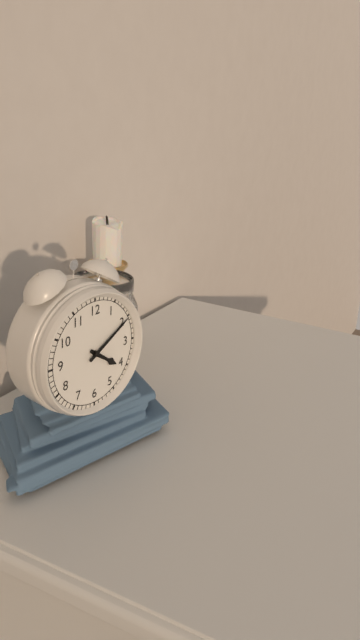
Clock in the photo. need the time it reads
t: 4:10
